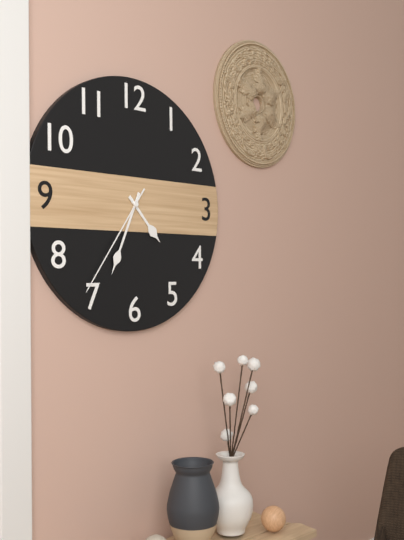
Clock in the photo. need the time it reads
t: 4:34:36
